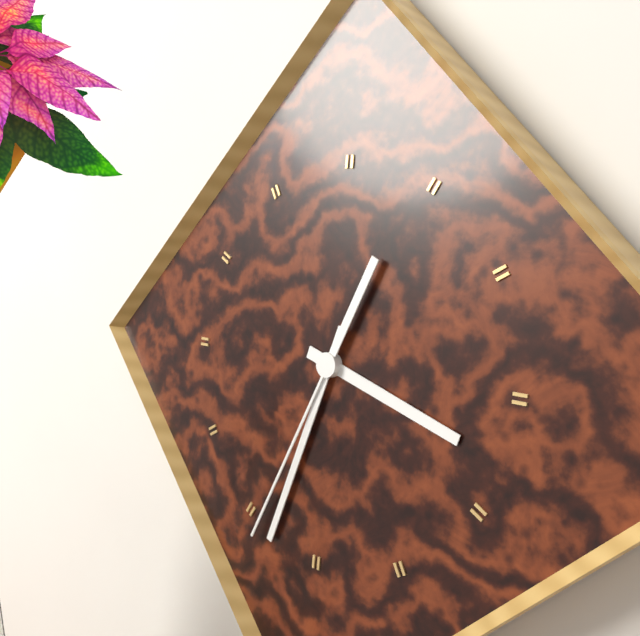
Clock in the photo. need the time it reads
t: 3:33:34
